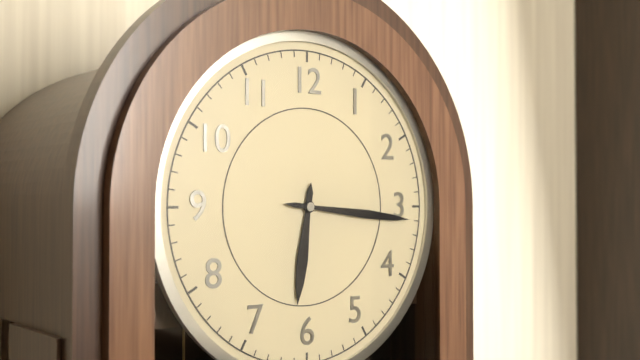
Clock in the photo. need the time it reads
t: 6:16
